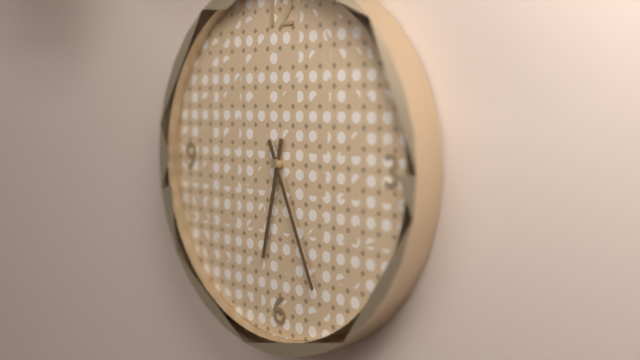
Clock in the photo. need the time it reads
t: 6:26
